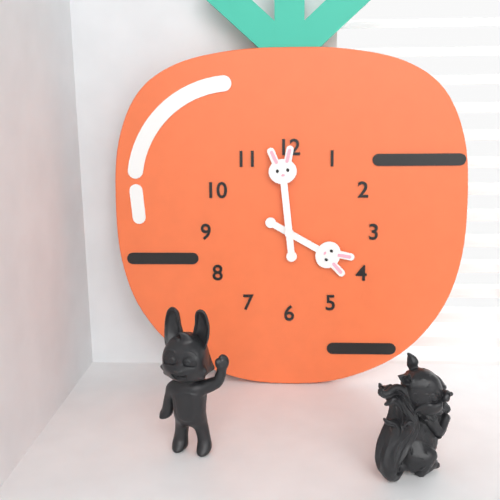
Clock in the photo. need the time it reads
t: 3:59
